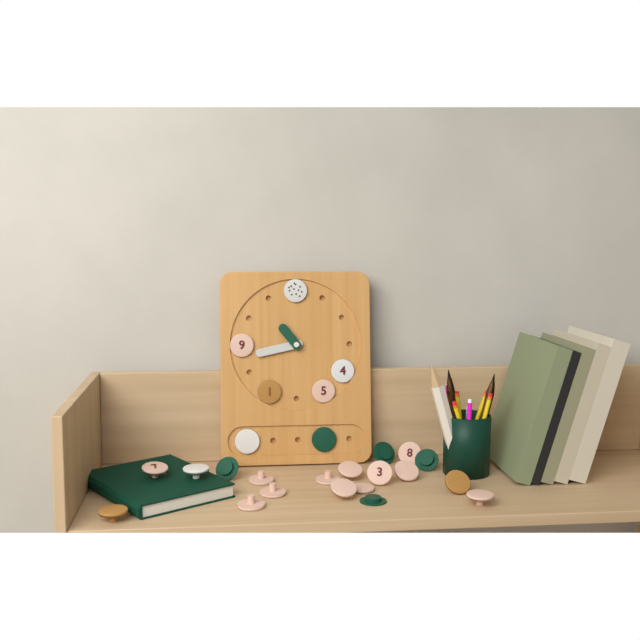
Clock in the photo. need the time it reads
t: 10:43
